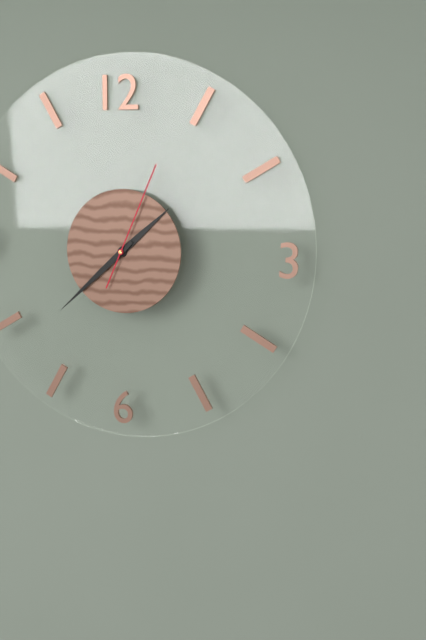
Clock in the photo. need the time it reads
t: 1:38:04
